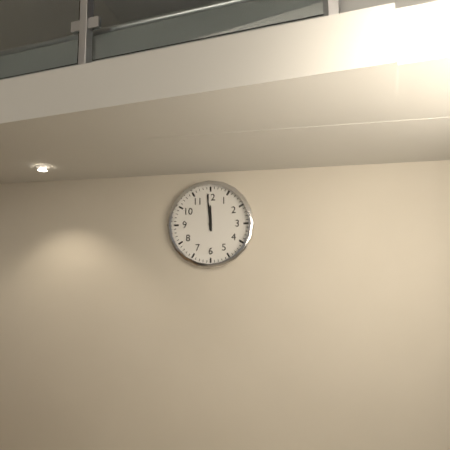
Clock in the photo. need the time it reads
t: 11:59
